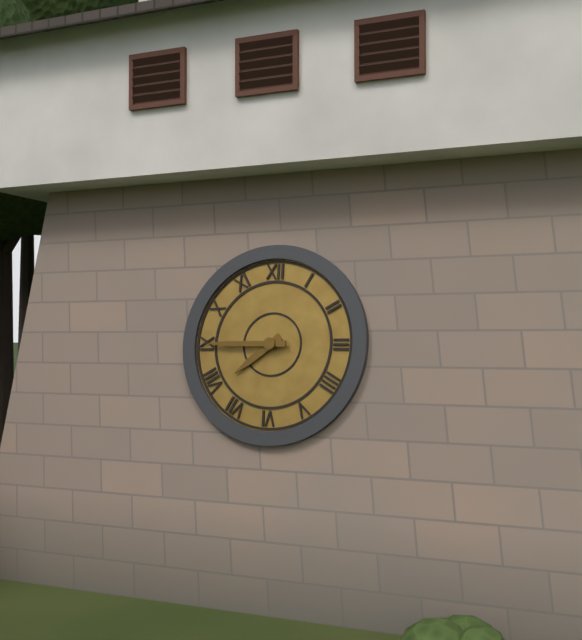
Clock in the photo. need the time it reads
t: 7:45
